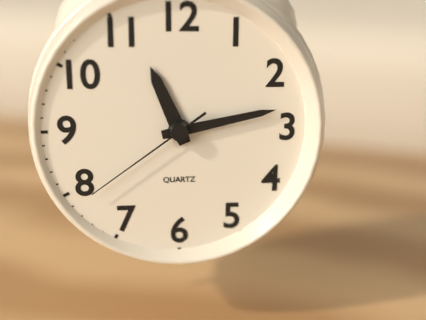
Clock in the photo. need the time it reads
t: 11:13:39
